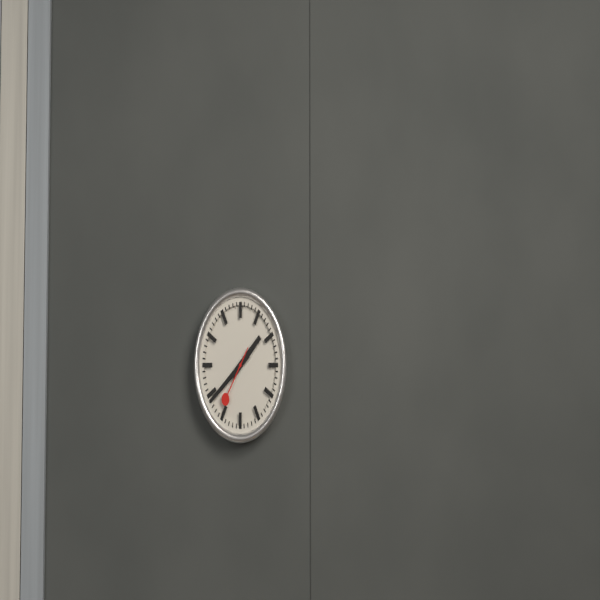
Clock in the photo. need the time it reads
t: 1:39:36
